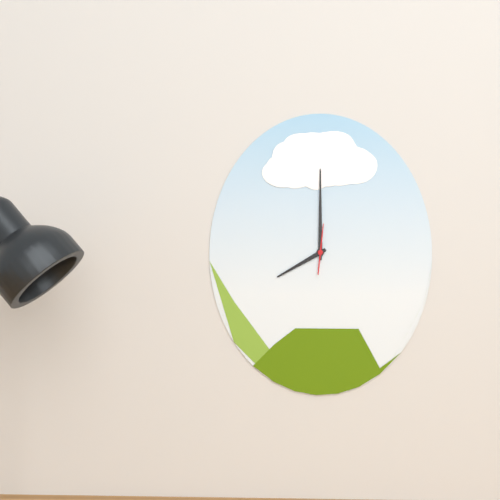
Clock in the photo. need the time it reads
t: 8:00
